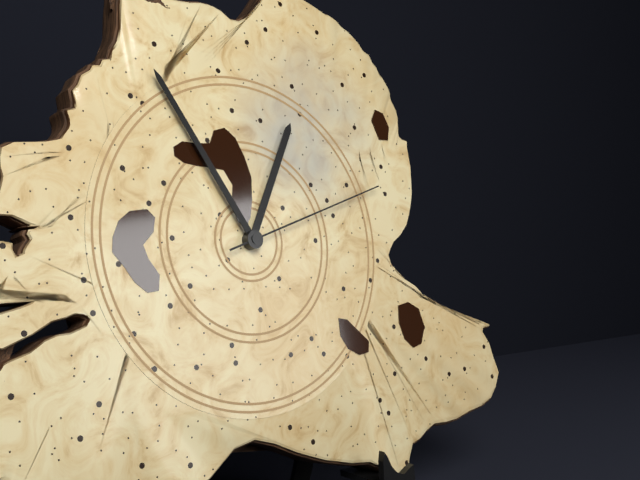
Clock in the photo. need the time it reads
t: 12:55:12
